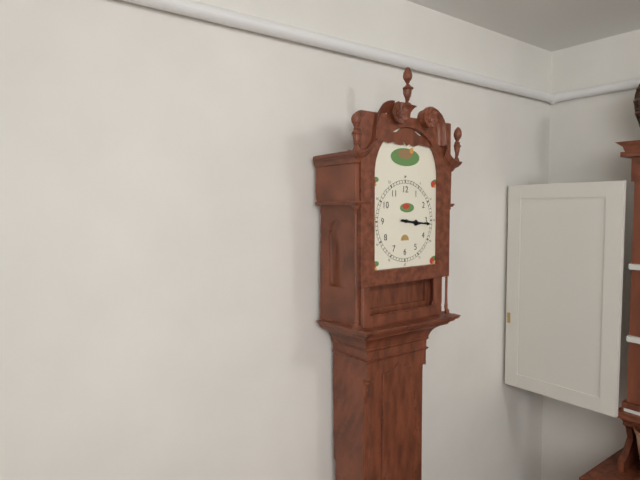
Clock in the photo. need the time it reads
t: 3:16
